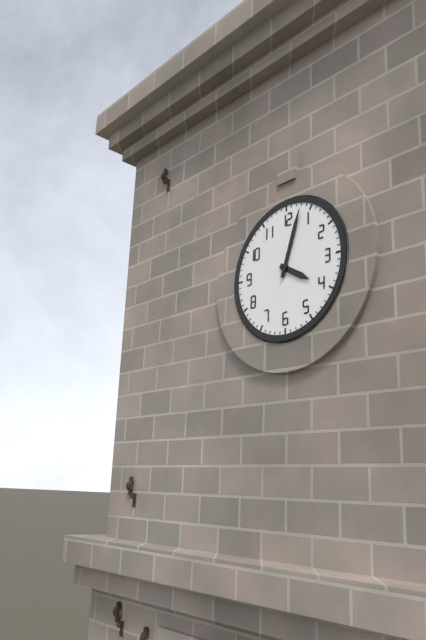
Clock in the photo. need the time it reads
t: 4:03
